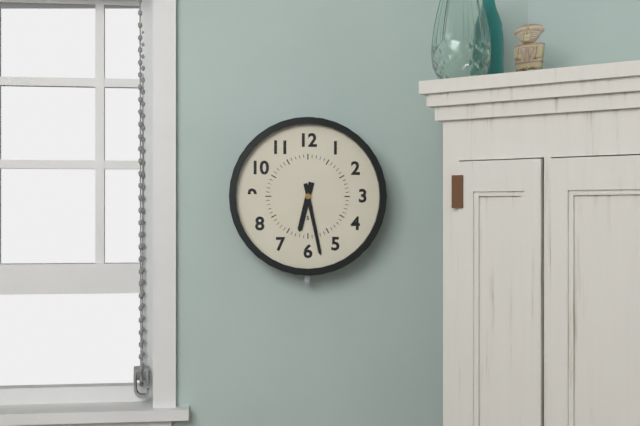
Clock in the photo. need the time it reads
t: 6:28
